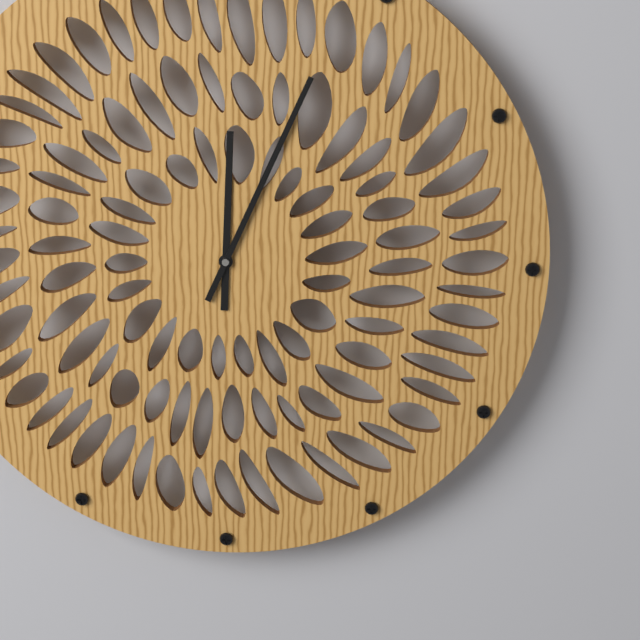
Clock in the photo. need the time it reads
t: 12:04
